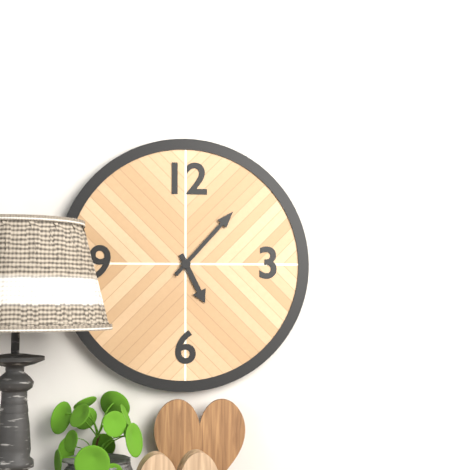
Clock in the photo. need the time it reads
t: 5:07
